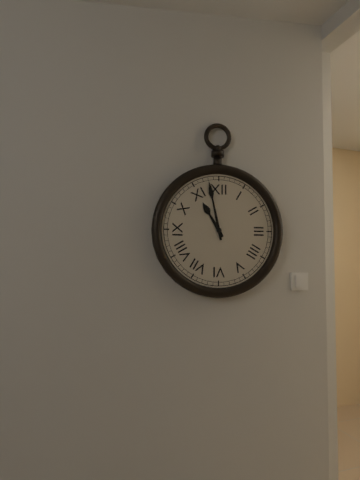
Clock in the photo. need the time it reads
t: 10:58
